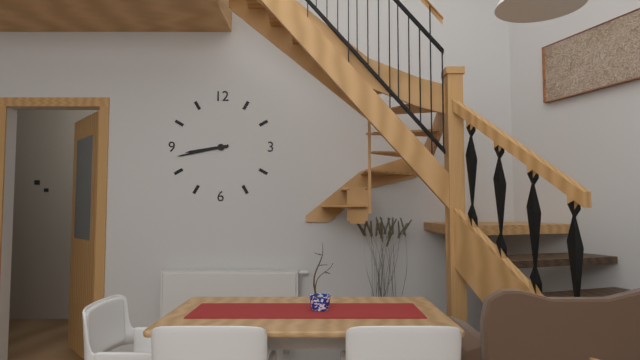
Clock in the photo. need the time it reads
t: 8:43
